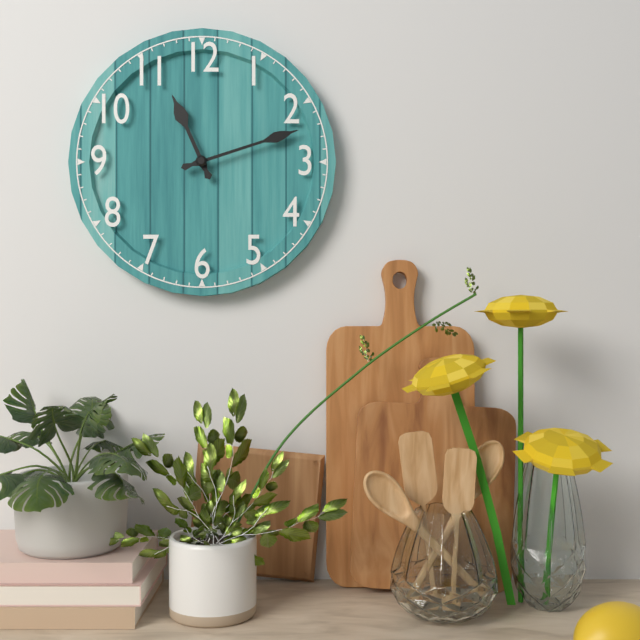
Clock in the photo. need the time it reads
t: 11:12
